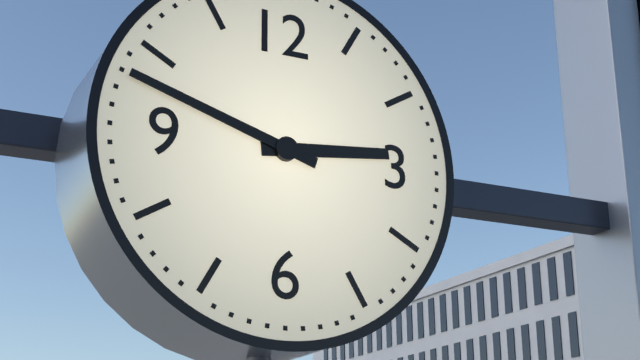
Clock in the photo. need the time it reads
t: 2:48
